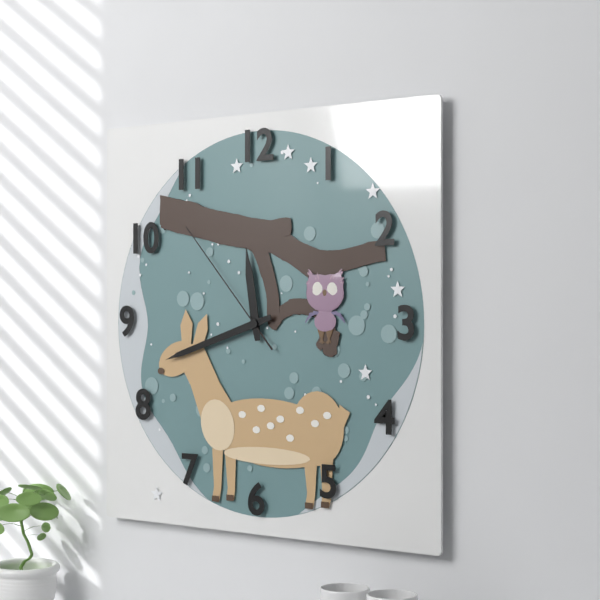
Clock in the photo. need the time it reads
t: 11:42:53
